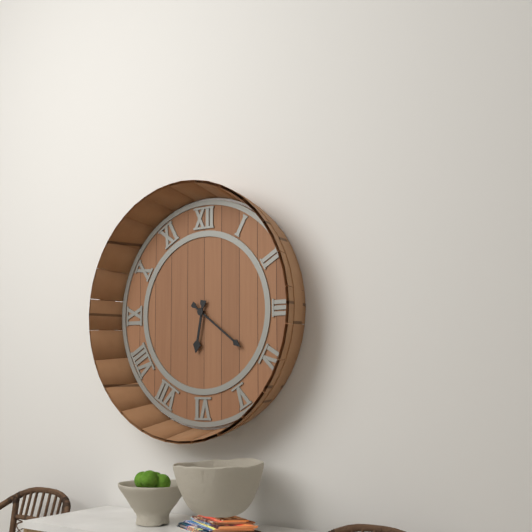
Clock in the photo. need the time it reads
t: 6:21
